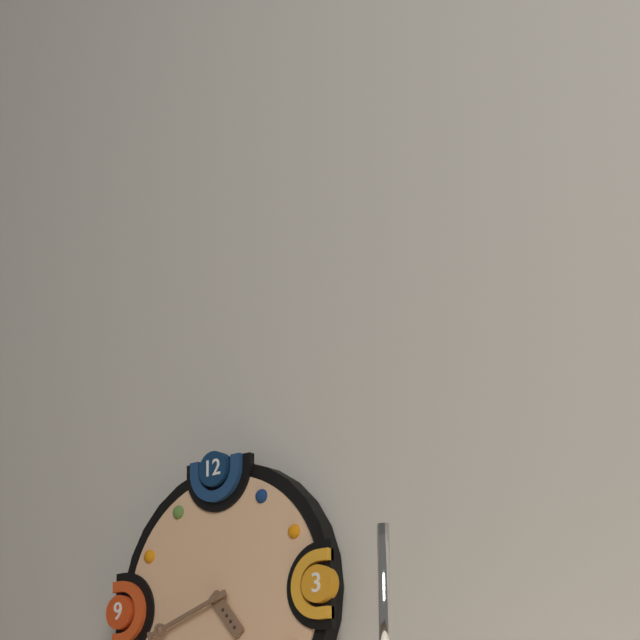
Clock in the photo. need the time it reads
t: 4:42
